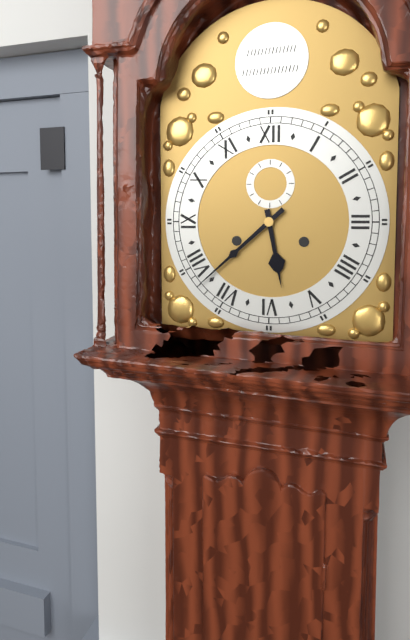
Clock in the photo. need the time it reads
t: 5:38
